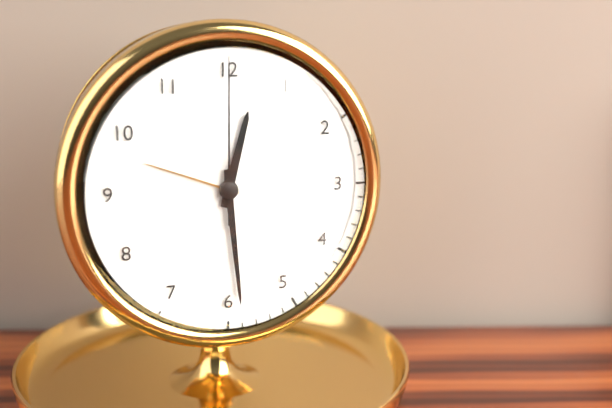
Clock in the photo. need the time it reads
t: 12:29:00
